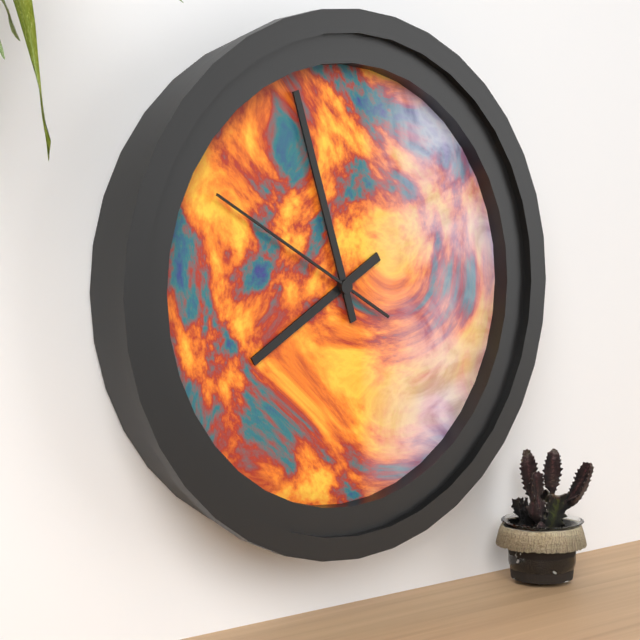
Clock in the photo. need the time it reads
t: 7:57:50
